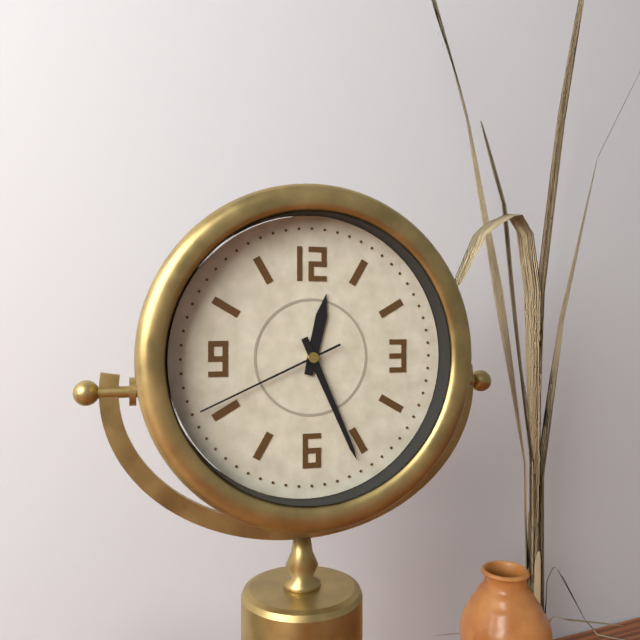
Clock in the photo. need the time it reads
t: 12:26:41
